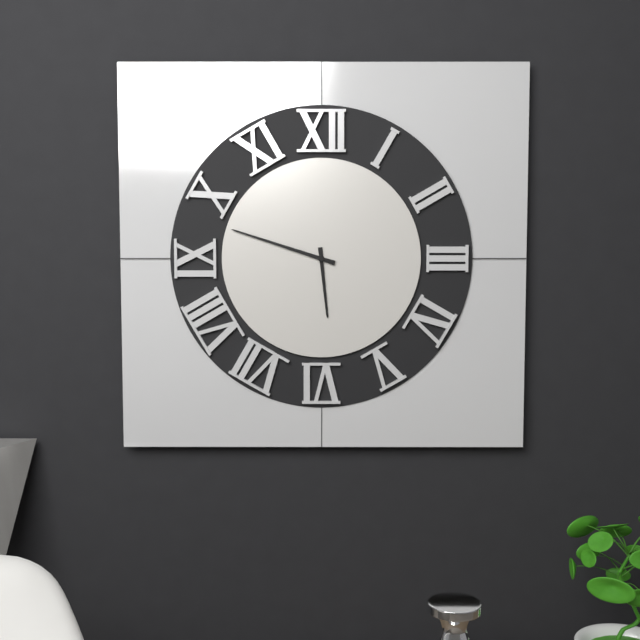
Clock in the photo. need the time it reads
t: 5:48
